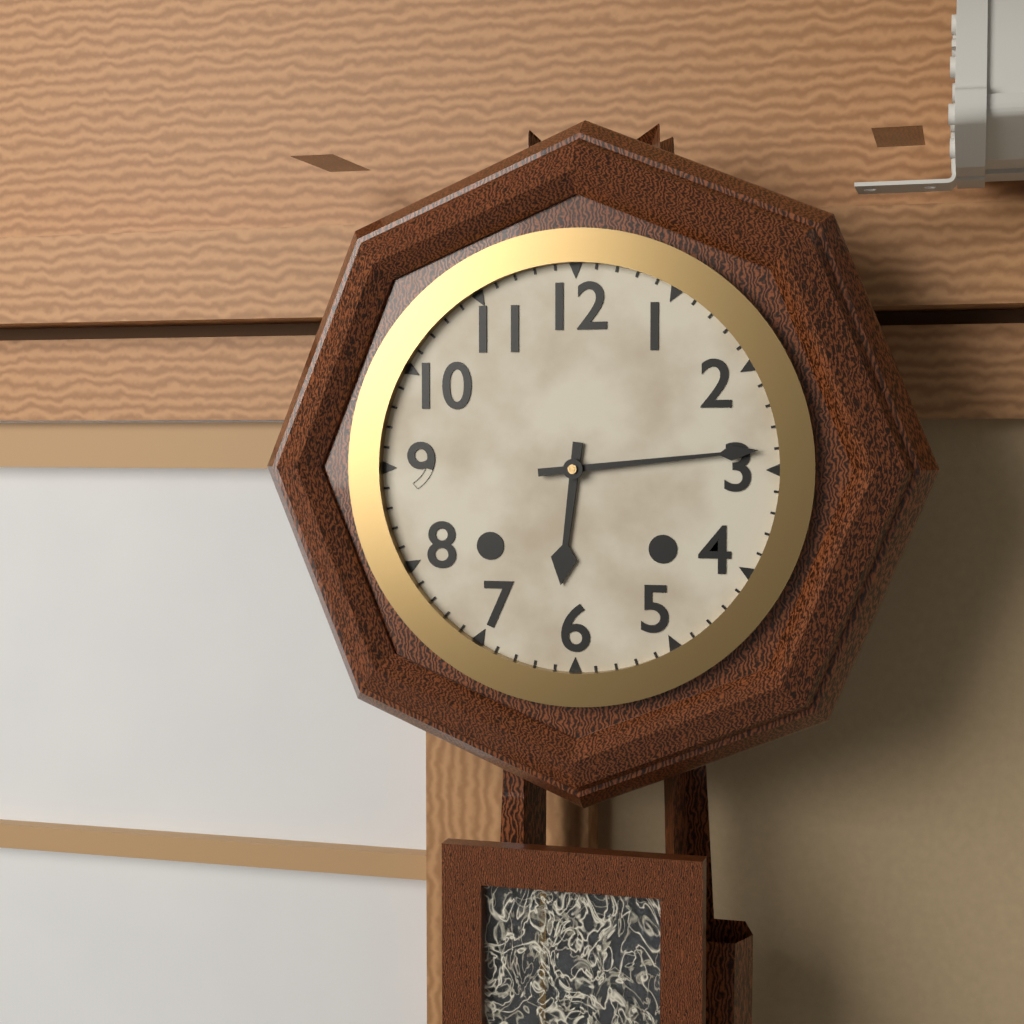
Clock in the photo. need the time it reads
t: 6:14
